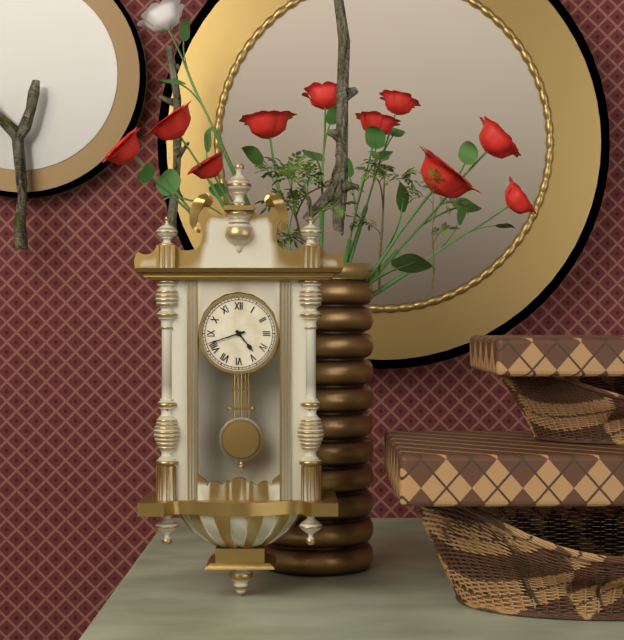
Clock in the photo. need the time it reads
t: 4:42
